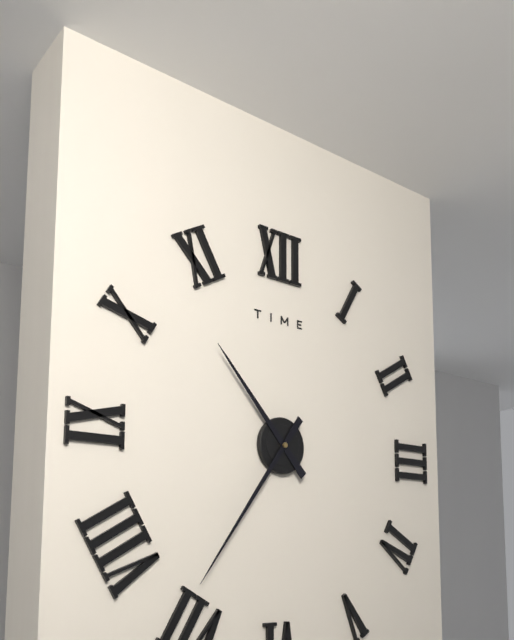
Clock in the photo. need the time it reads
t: 10:36
